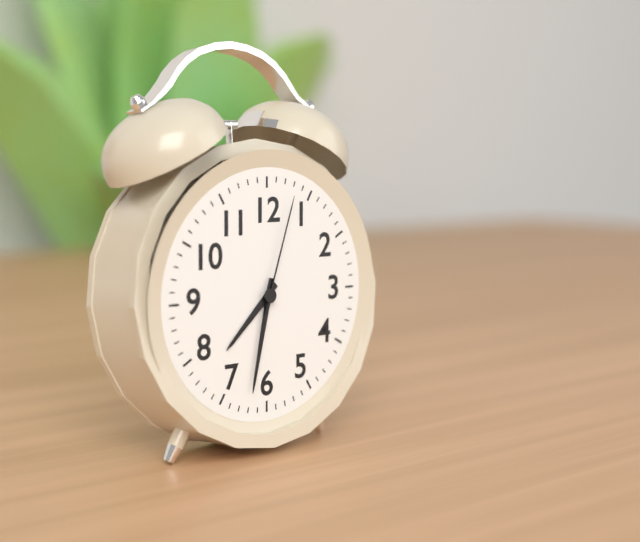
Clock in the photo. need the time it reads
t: 7:32:03
